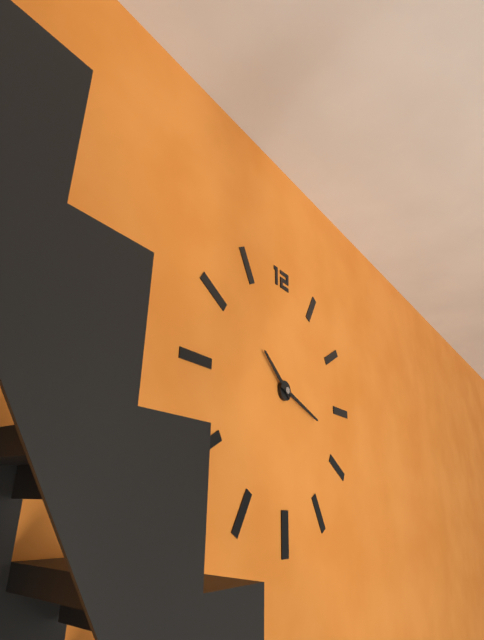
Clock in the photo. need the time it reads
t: 10:18
